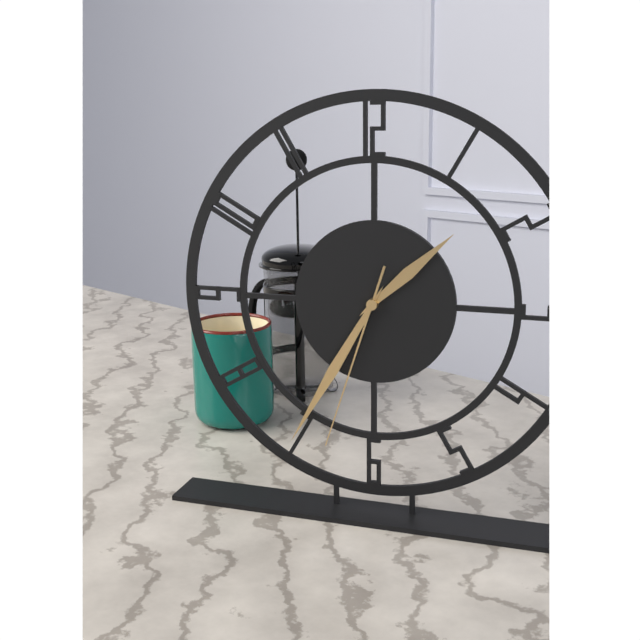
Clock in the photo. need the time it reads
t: 1:35:33
